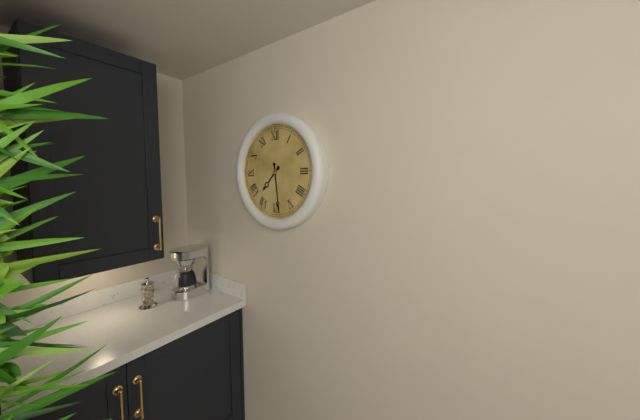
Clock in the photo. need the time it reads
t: 7:29
